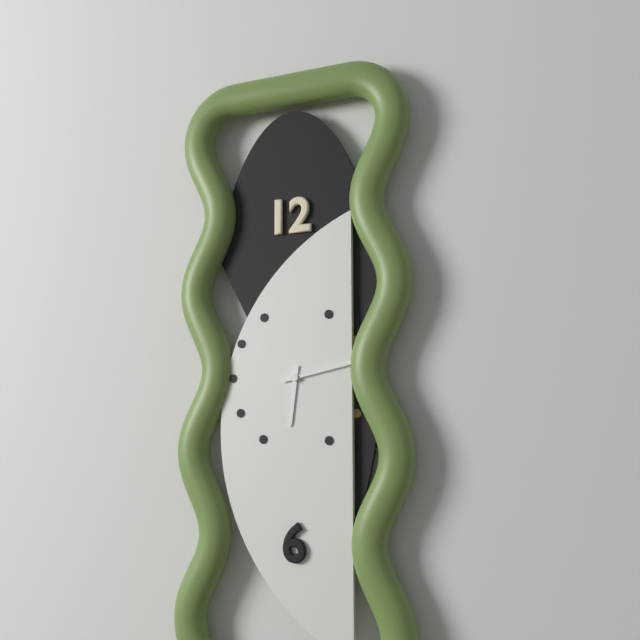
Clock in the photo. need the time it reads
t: 6:13
